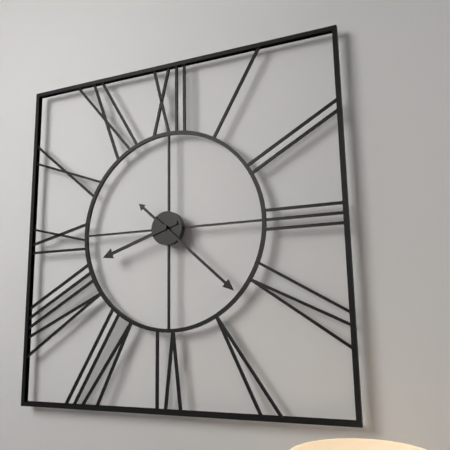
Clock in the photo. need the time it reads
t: 8:22
